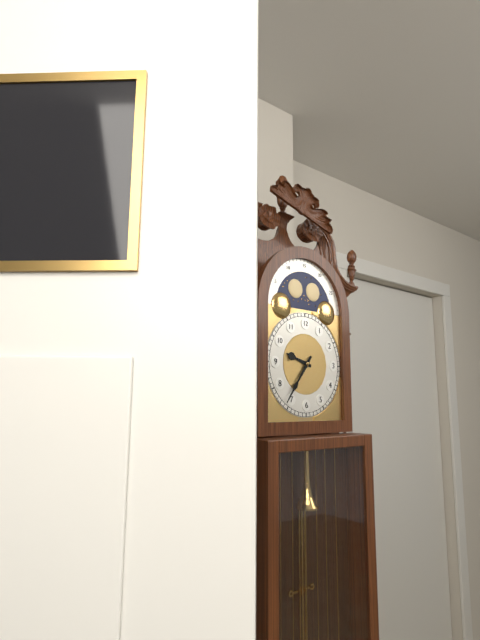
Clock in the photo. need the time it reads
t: 9:36
